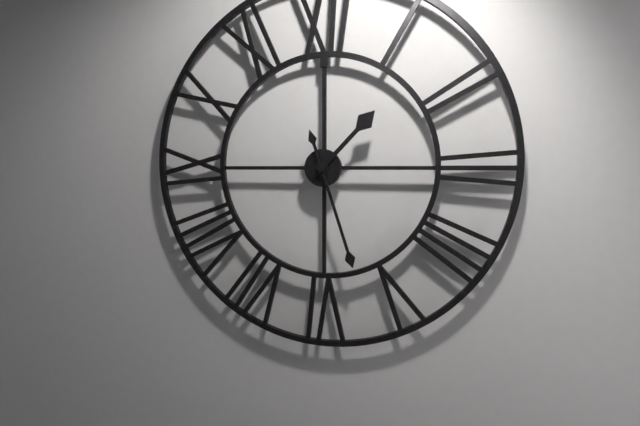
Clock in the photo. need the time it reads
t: 1:27
